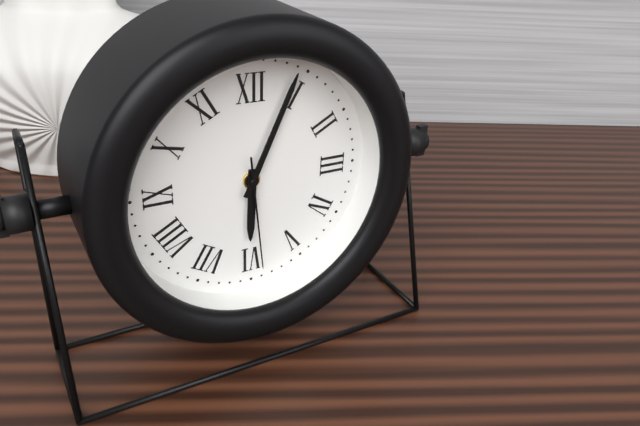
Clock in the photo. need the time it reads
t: 6:04:29
